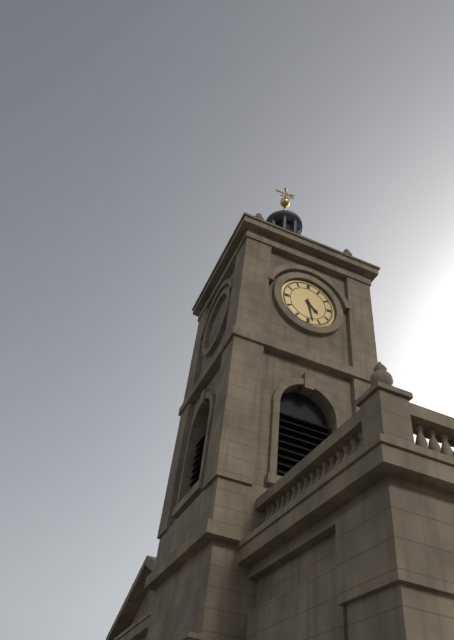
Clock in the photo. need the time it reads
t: 4:28
